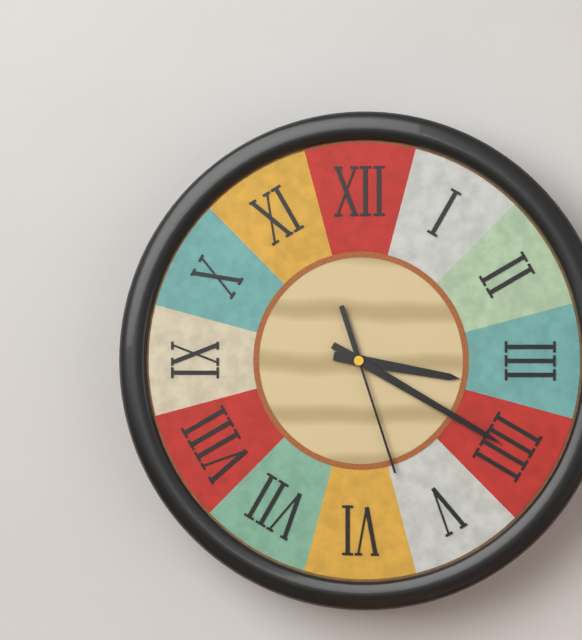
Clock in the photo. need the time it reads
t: 3:20:27
